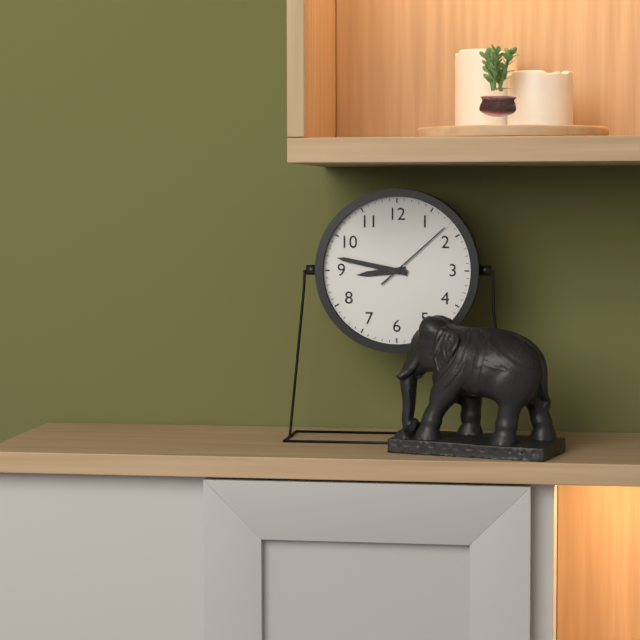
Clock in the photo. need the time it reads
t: 8:47:08
